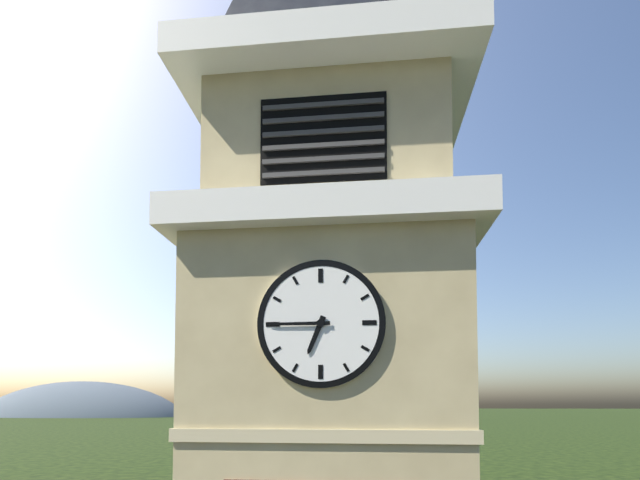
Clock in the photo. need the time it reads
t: 6:45
